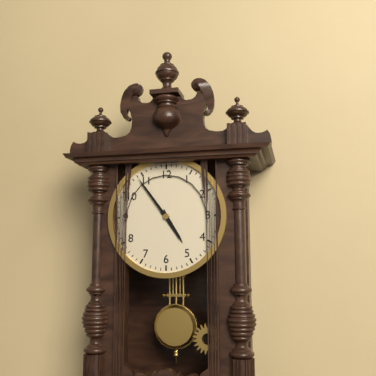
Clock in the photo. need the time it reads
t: 4:54
